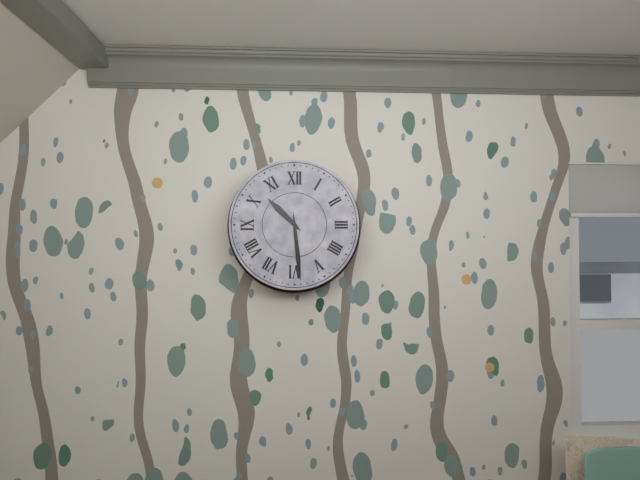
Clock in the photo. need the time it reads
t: 10:29
